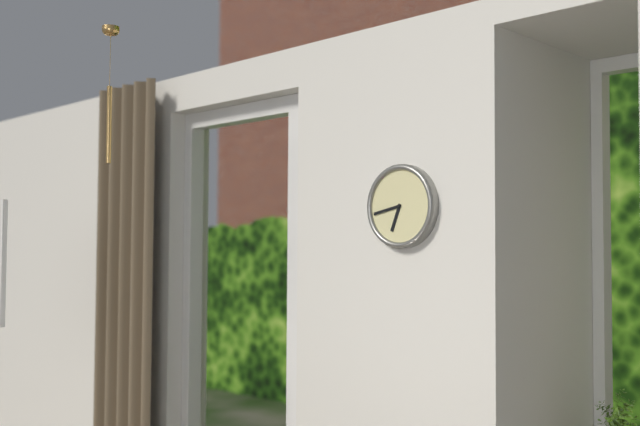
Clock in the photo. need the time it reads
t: 6:43
